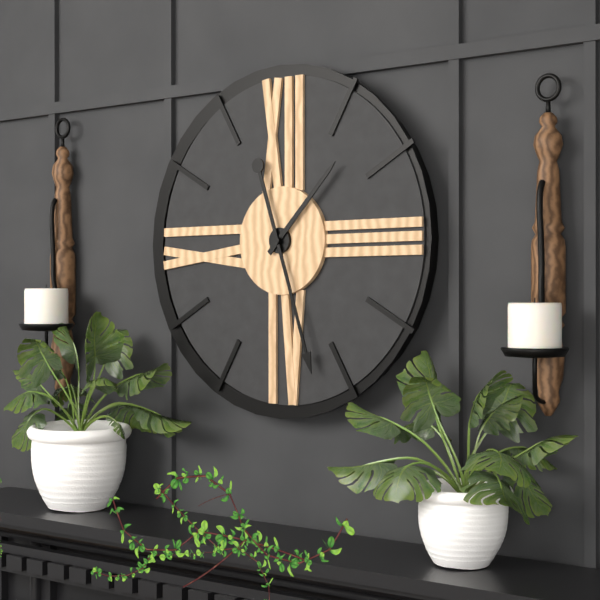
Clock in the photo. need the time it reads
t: 1:27
